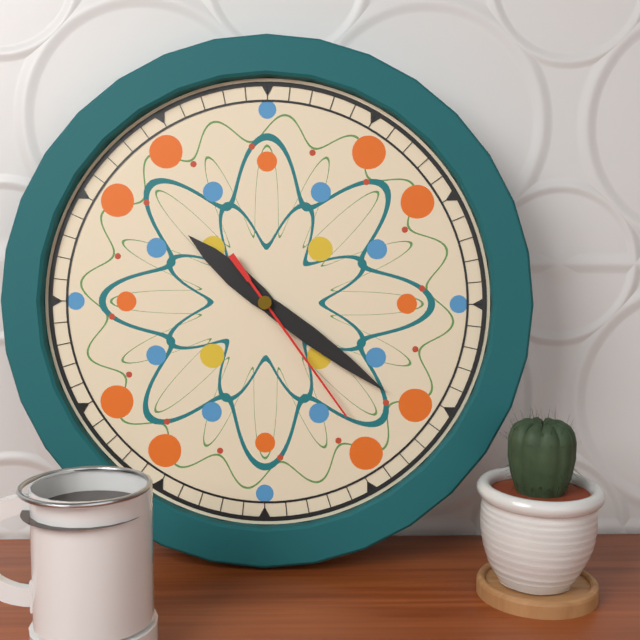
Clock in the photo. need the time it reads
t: 10:21:24
